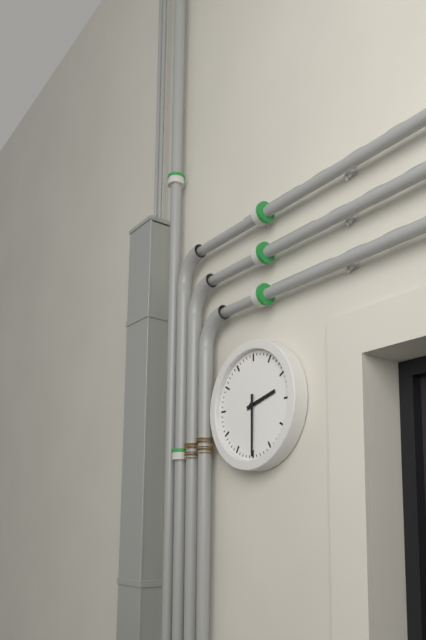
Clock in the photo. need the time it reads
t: 2:30
